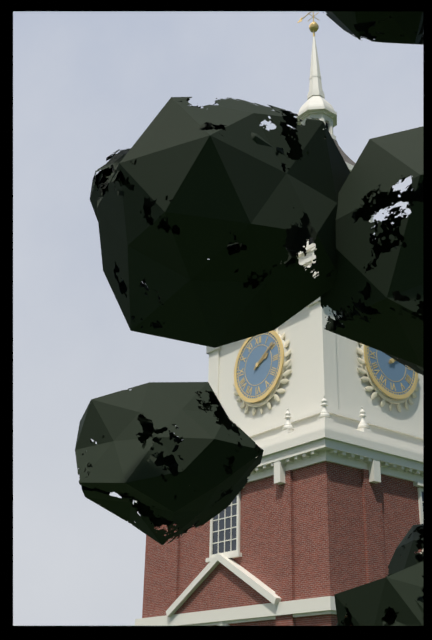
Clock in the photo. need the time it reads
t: 2:09
